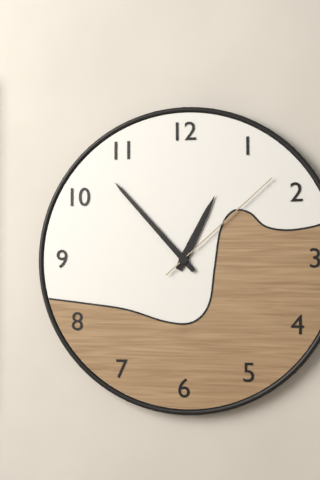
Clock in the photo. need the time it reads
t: 12:53:08
